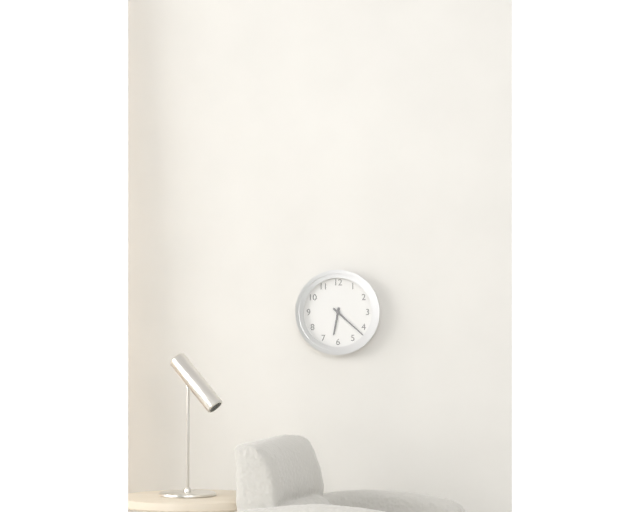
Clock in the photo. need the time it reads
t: 6:22
